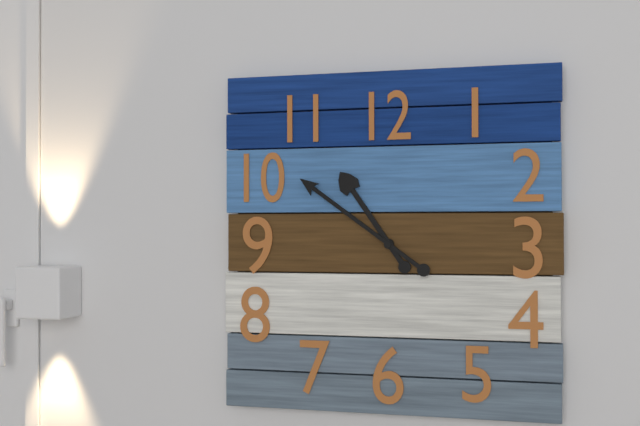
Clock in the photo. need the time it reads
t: 10:51
